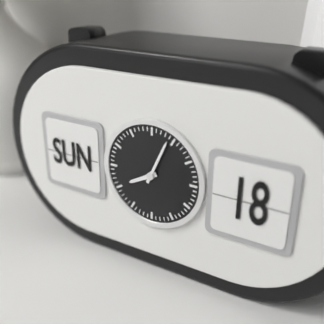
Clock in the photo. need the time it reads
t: 8:04
